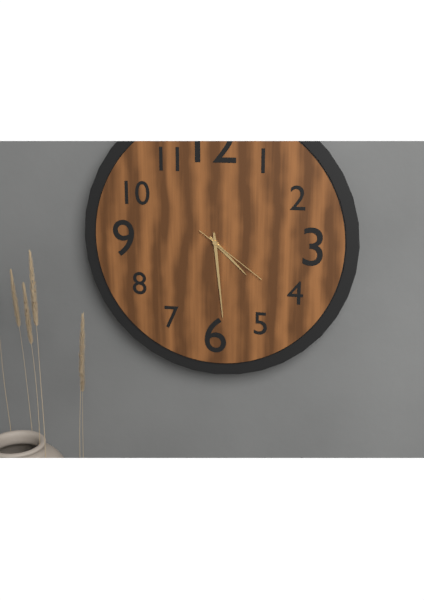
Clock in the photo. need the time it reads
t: 4:29:21
